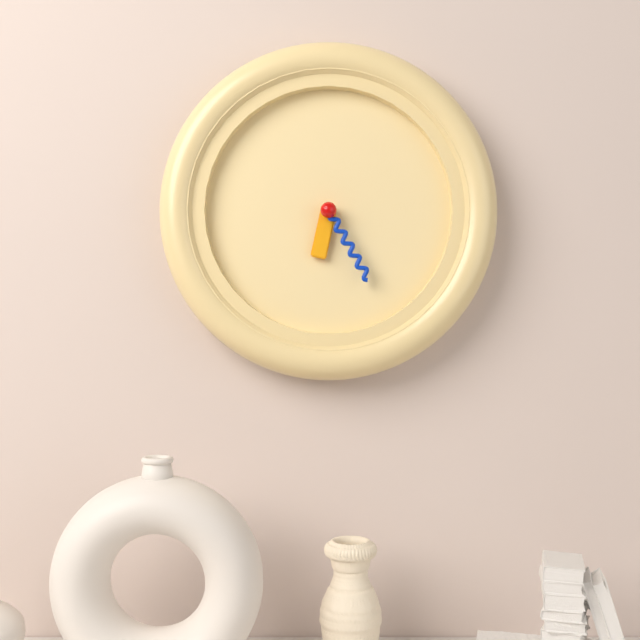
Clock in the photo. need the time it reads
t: 6:25
